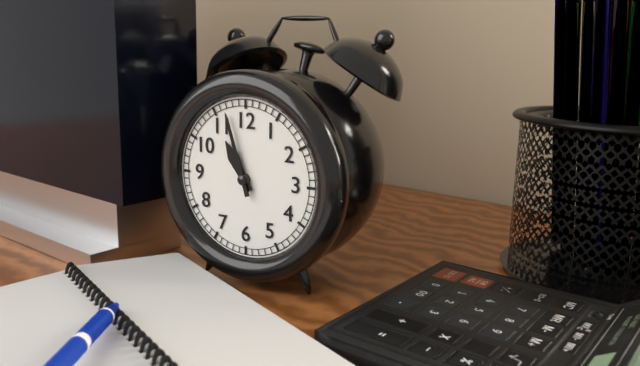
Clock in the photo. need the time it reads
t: 10:57
